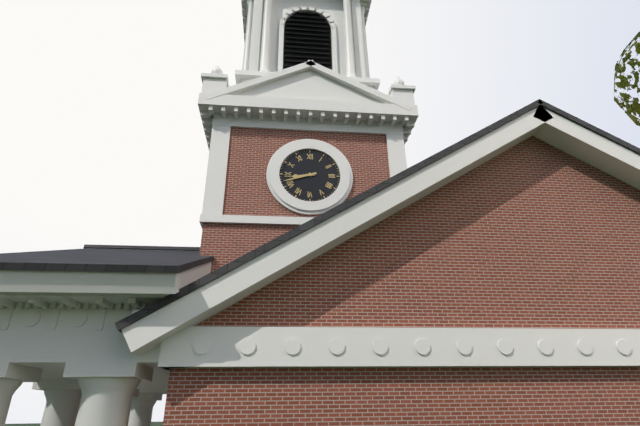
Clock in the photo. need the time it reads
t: 8:42
